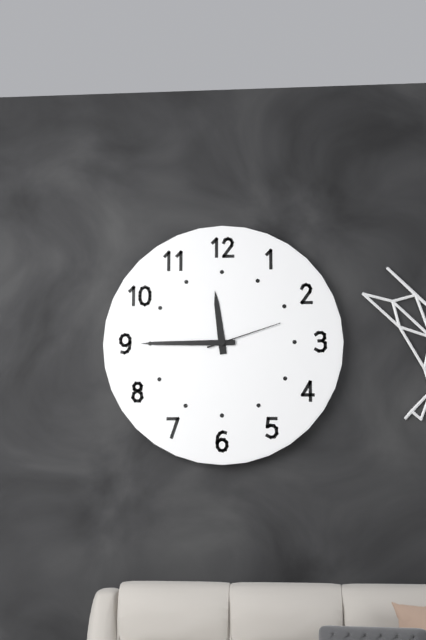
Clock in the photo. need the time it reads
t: 11:45:12
